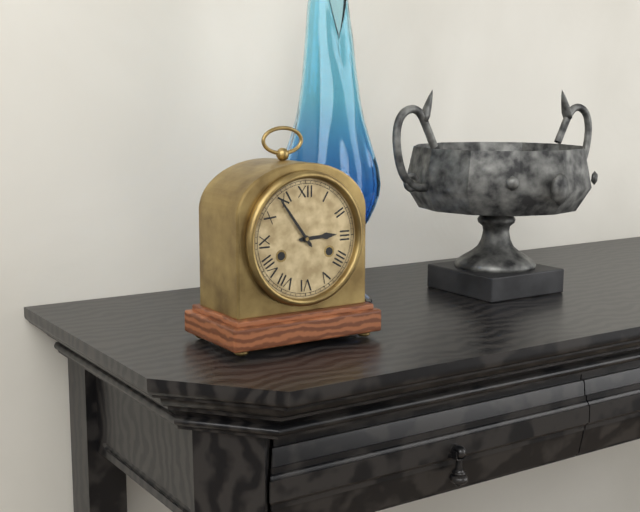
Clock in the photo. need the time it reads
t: 2:54
